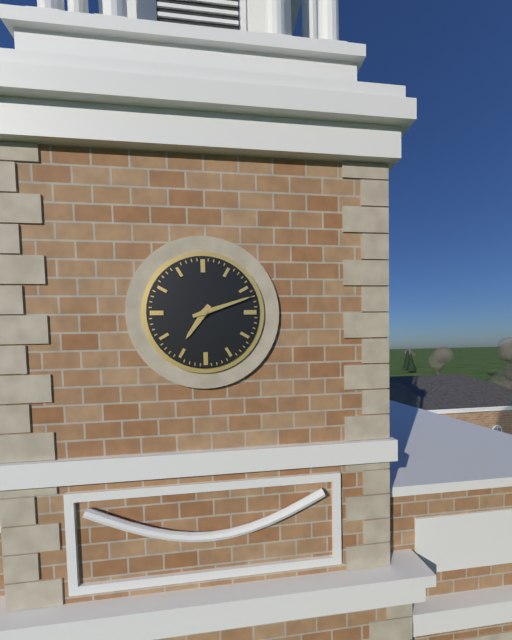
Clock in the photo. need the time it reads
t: 7:12
